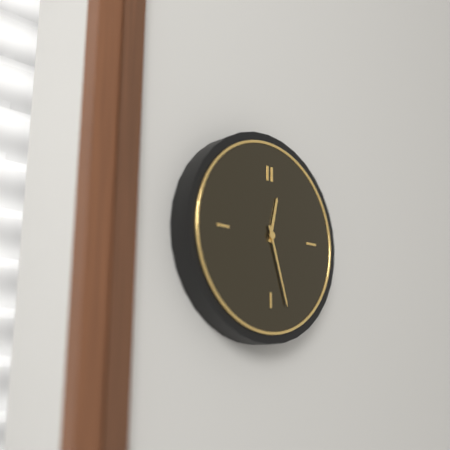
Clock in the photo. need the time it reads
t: 12:27
